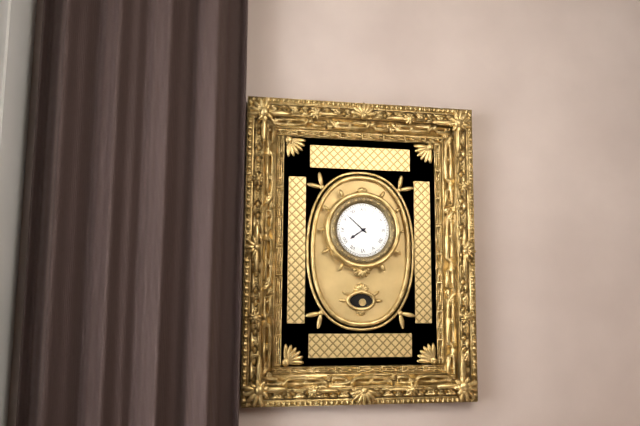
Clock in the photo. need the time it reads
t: 7:52
